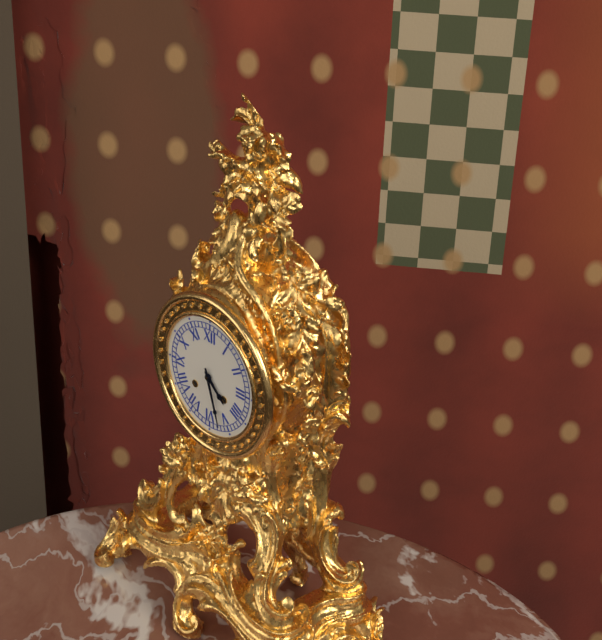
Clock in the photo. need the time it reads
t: 4:27
